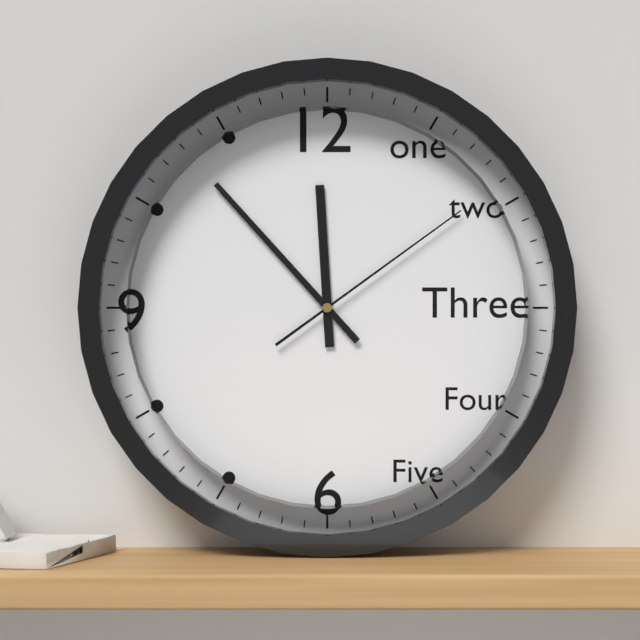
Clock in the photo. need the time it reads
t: 11:53:09
